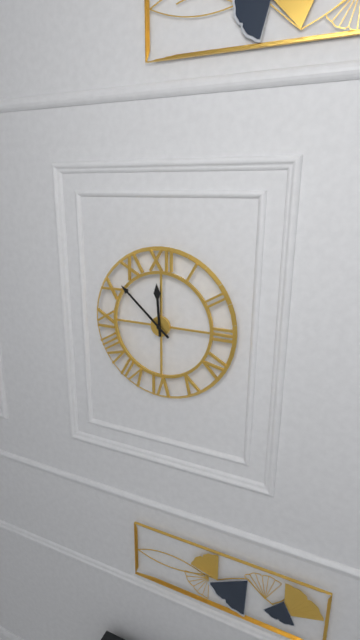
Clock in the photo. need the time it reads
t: 11:52
